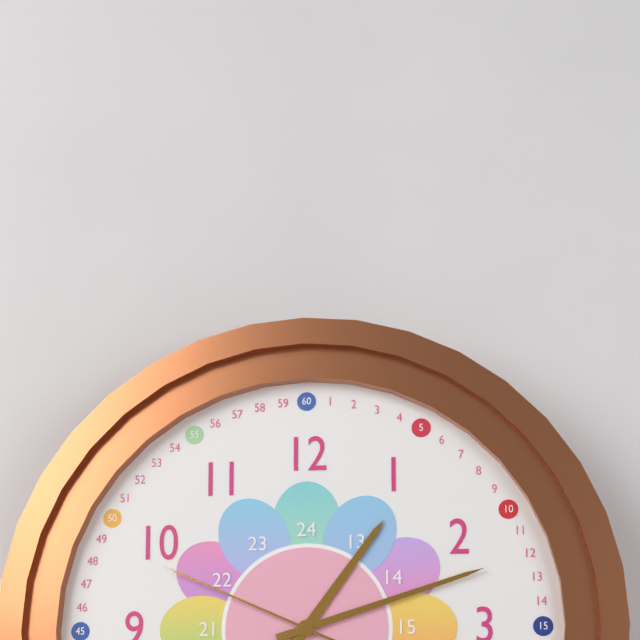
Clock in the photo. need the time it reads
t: 1:12:49
